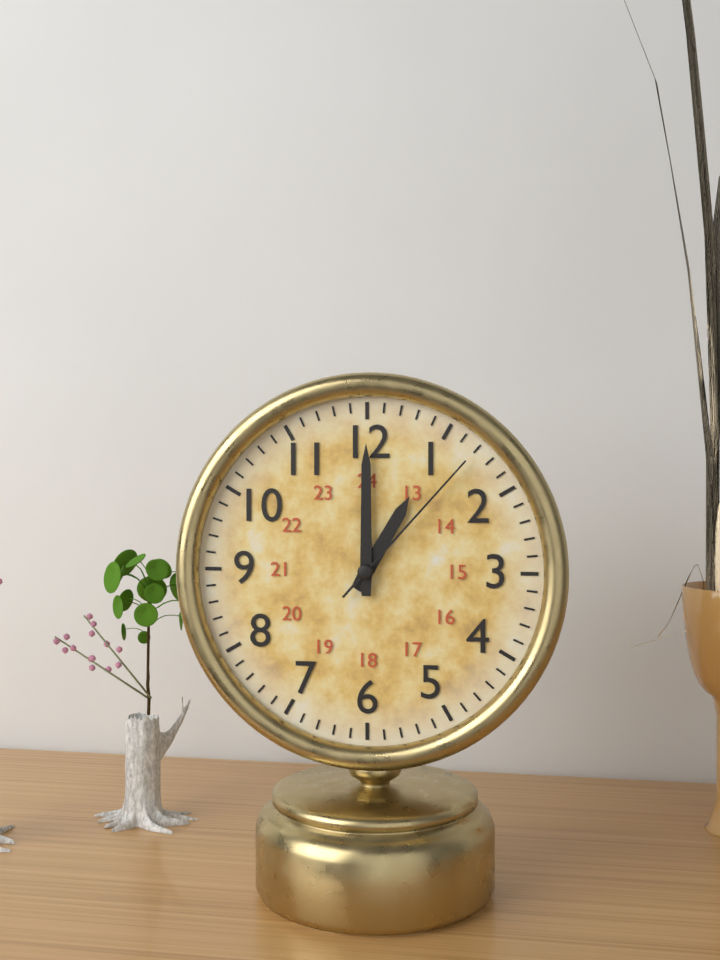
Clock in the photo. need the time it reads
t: 1:00:07
